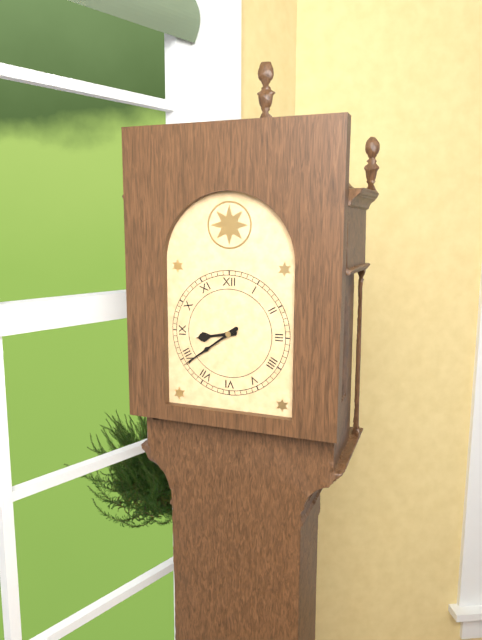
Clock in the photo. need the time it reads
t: 8:39
